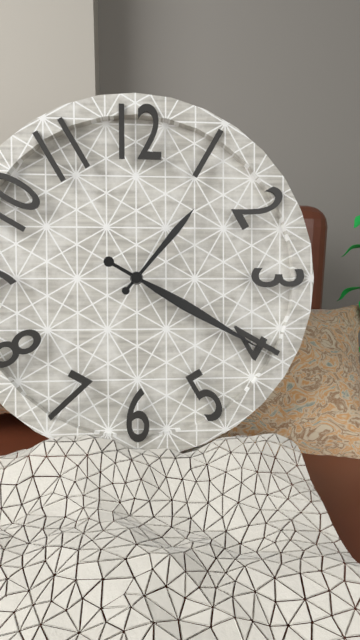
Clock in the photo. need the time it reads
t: 1:20
